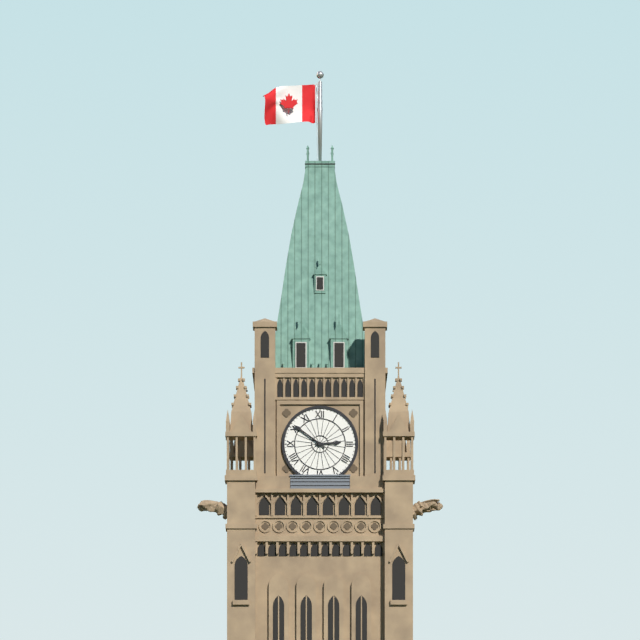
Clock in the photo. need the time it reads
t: 2:51
